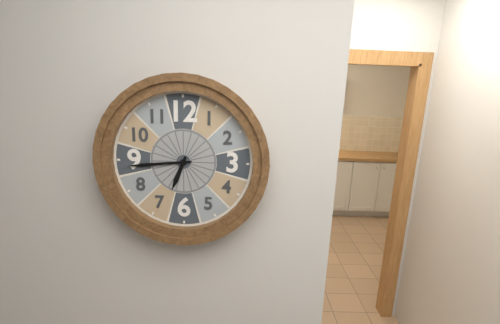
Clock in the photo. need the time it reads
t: 6:44
